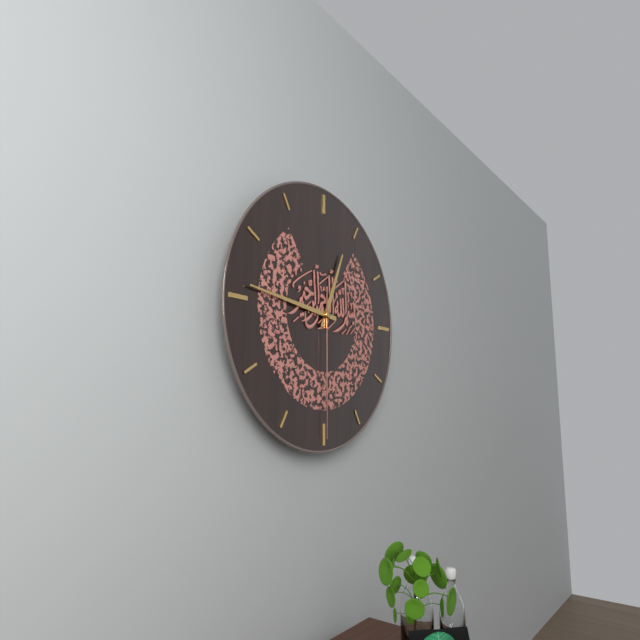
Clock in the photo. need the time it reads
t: 12:46:30
